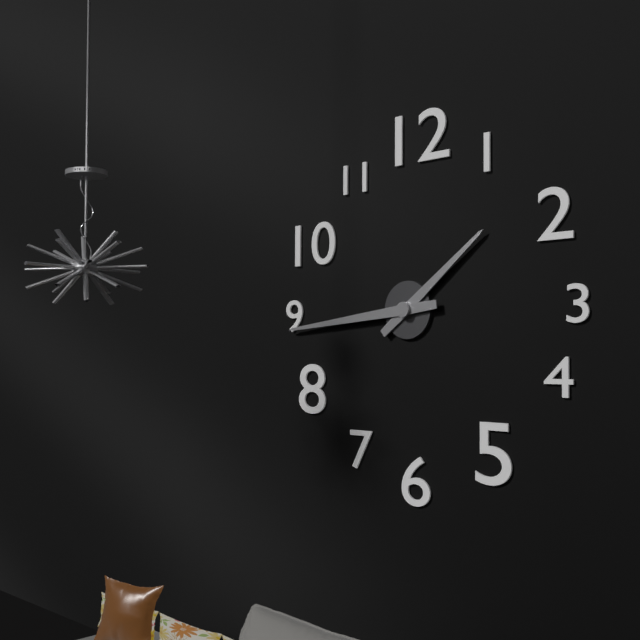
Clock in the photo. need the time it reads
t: 1:44
